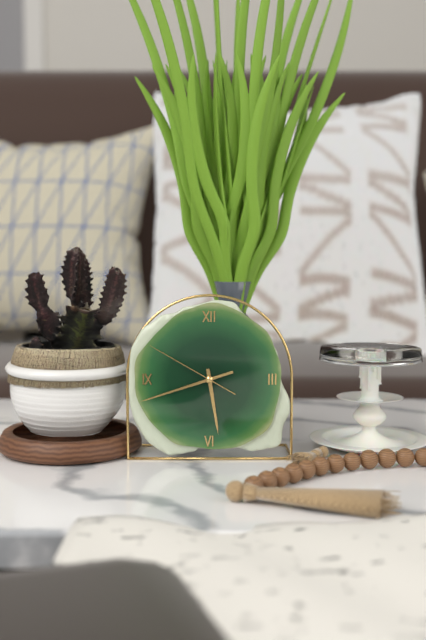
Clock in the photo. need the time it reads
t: 5:42:50
